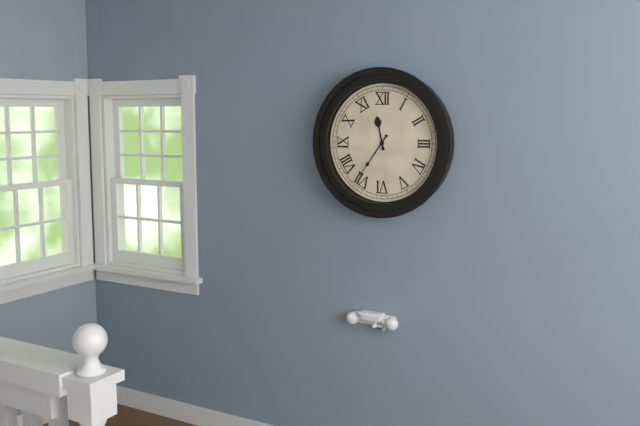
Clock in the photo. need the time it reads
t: 11:36
